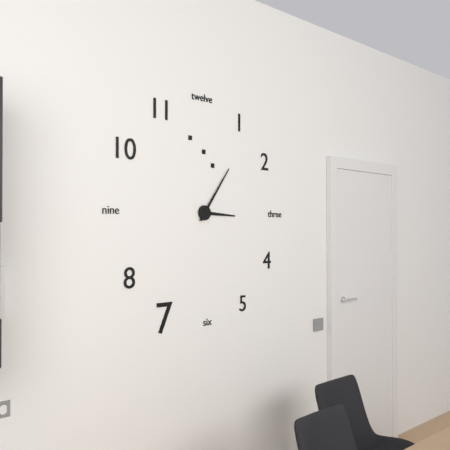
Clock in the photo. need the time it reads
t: 3:06
